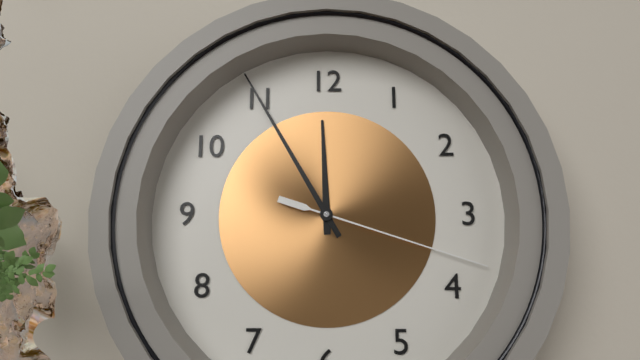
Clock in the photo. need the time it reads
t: 11:55:18
